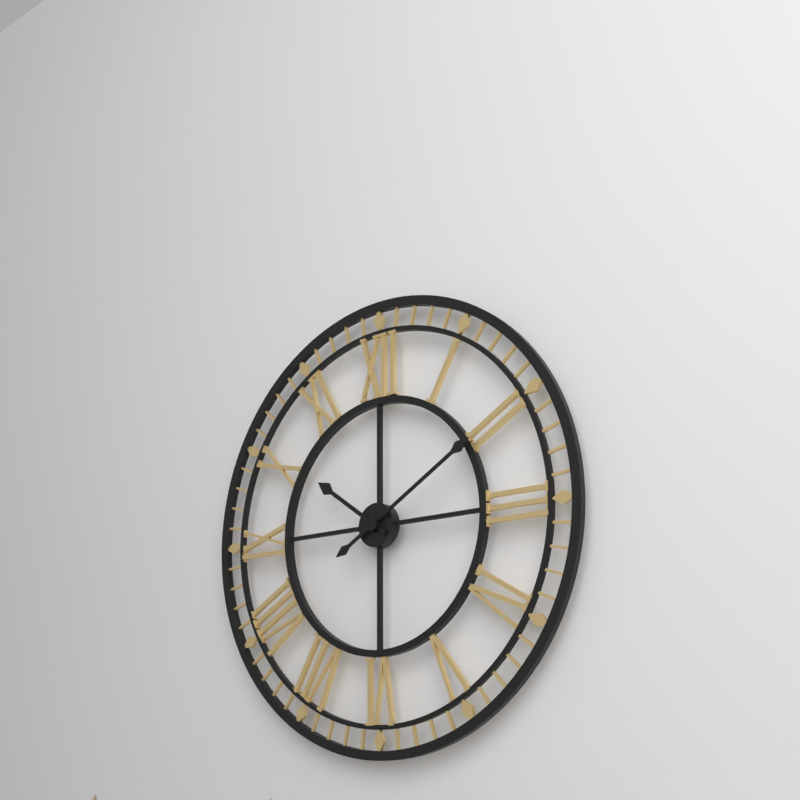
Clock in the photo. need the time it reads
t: 10:10
